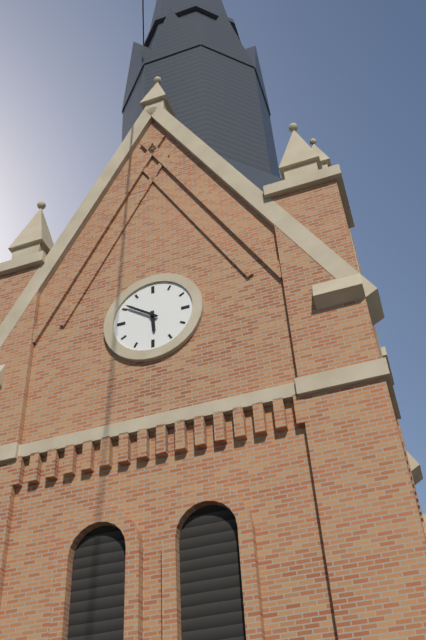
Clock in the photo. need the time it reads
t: 5:51
